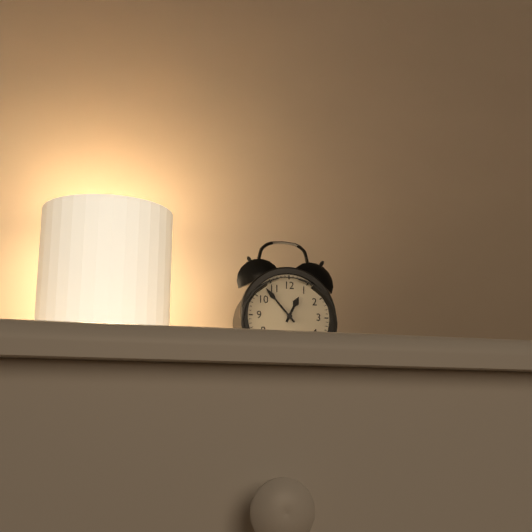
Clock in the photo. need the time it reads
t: 12:53
